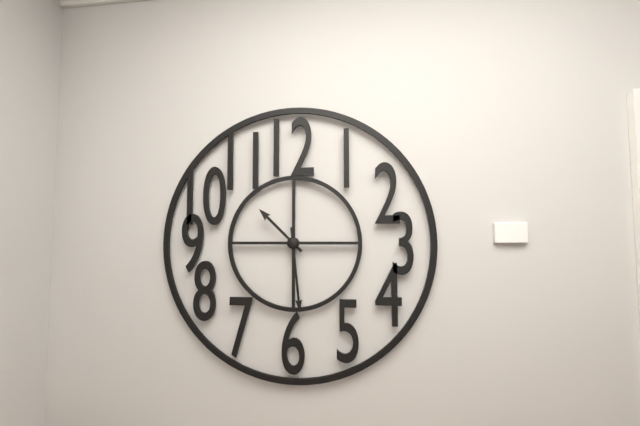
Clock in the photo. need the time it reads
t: 10:29
